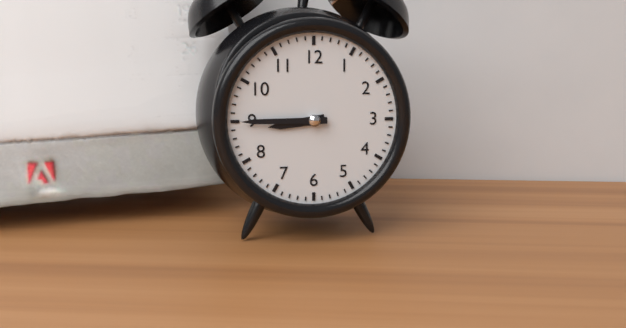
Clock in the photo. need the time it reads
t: 8:45
